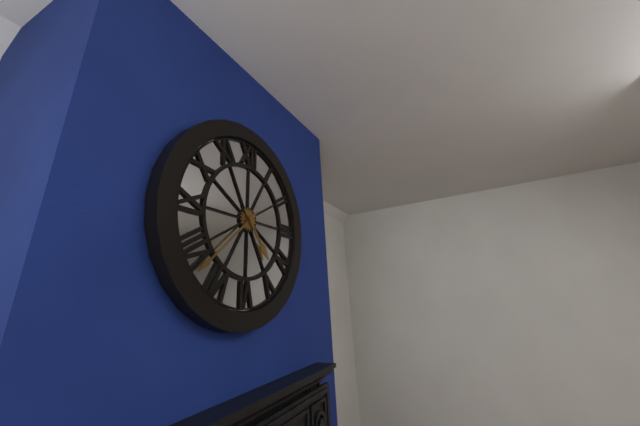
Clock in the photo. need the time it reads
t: 4:38
